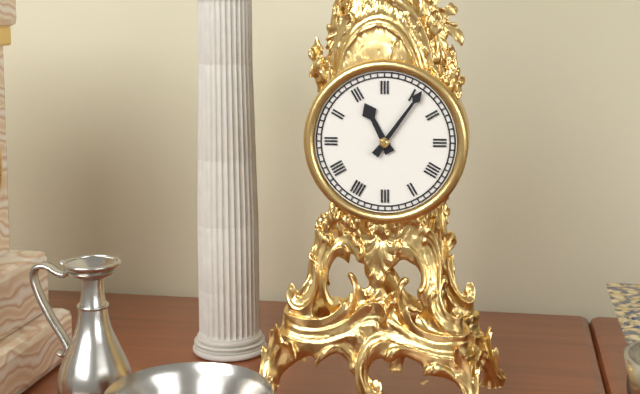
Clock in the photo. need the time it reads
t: 11:06
